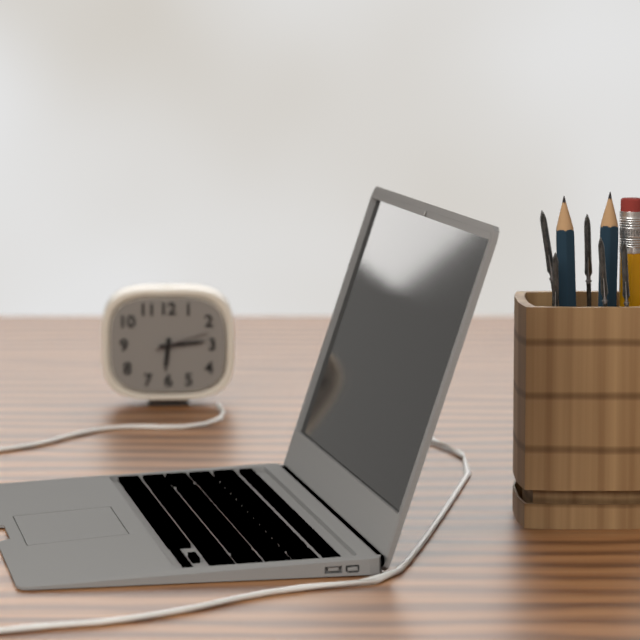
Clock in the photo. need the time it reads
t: 6:14:12
